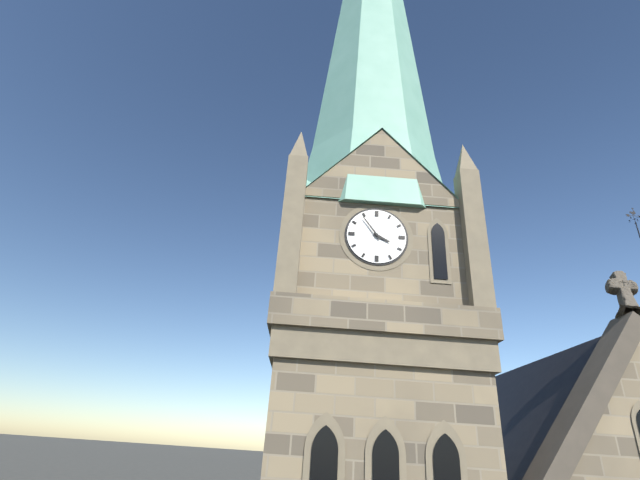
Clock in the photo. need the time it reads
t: 3:54
